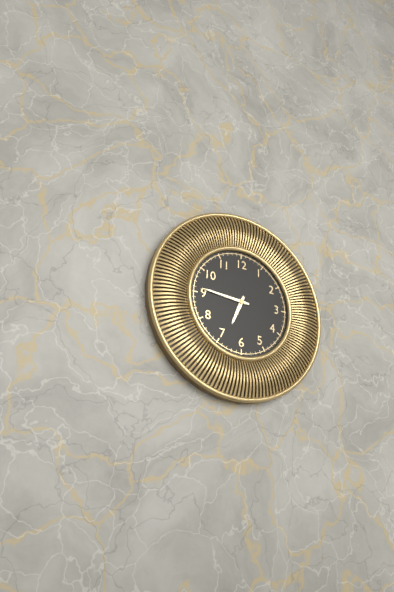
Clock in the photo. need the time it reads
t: 6:46
